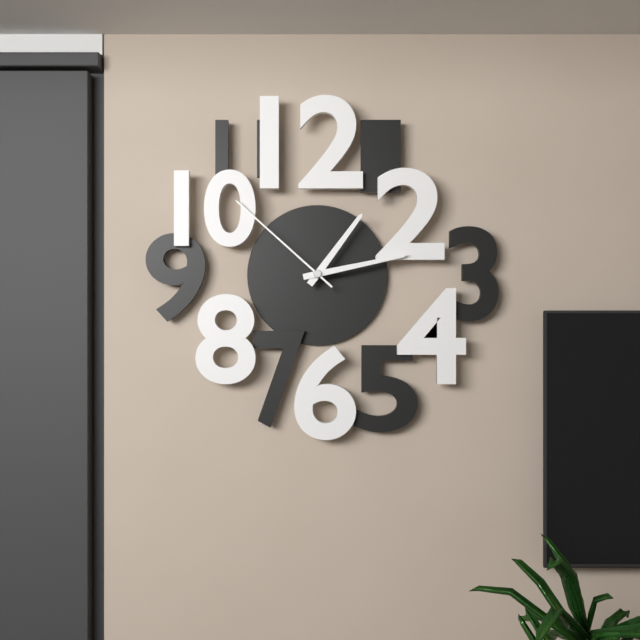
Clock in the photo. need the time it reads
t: 1:13:52
